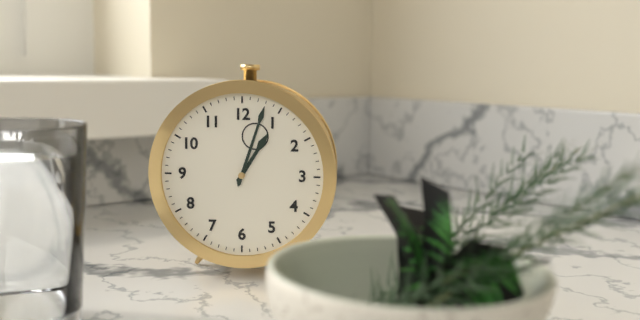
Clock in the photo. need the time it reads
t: 1:03
